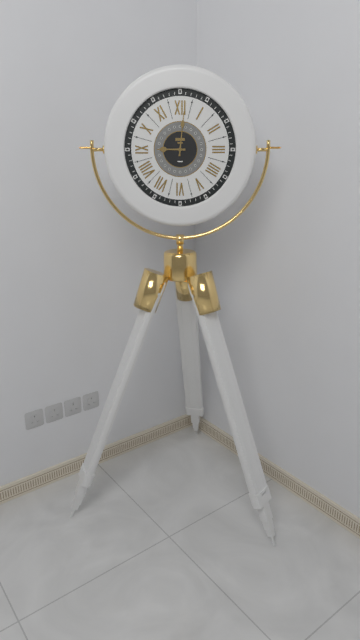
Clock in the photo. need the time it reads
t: 9:01
